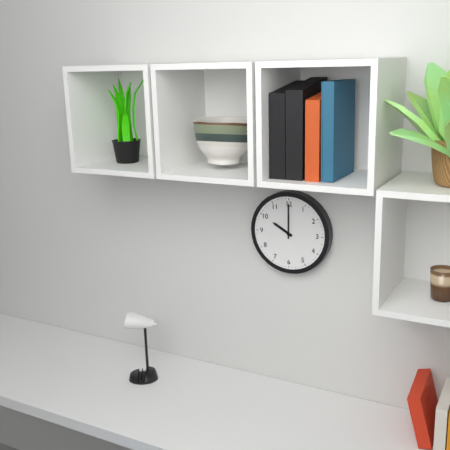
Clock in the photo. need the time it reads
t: 10:00
